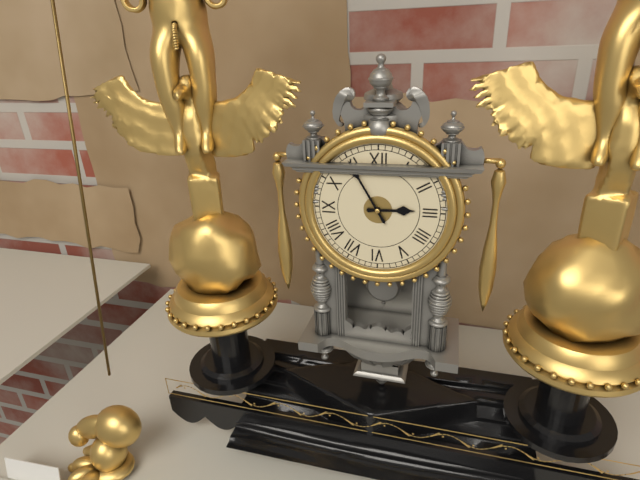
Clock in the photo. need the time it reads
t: 2:55
